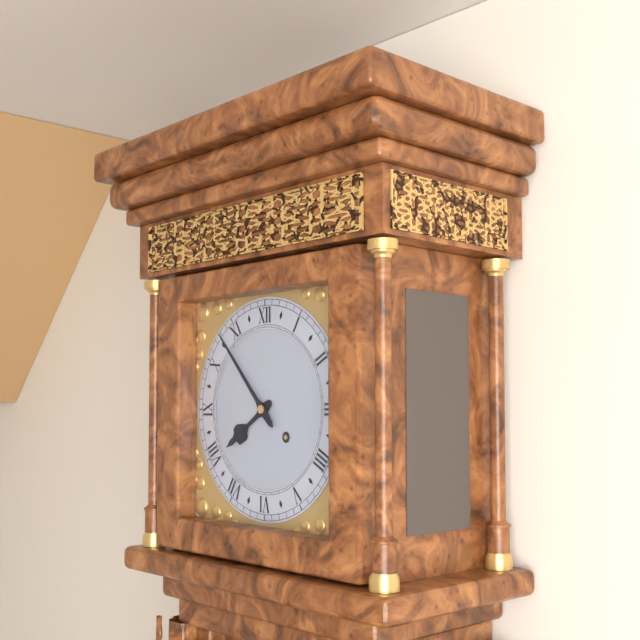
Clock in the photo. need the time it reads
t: 7:53
